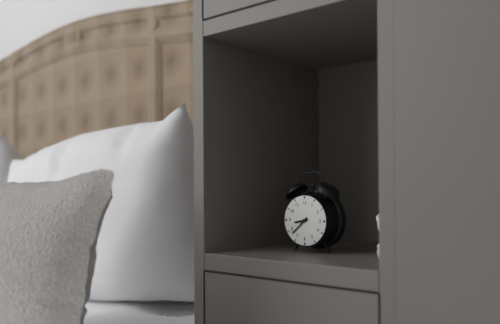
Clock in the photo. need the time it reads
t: 8:38
